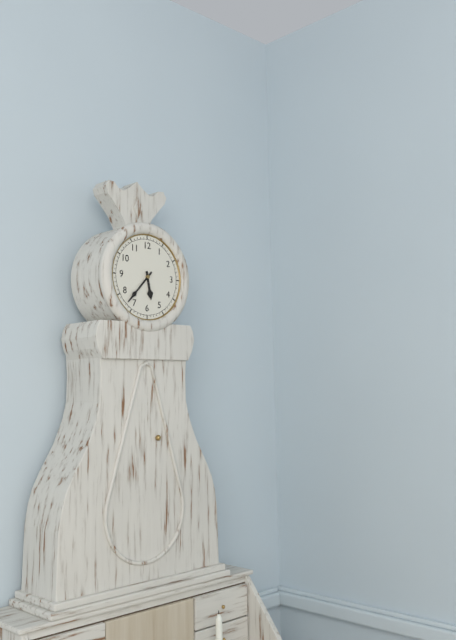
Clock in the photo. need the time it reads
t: 5:37
